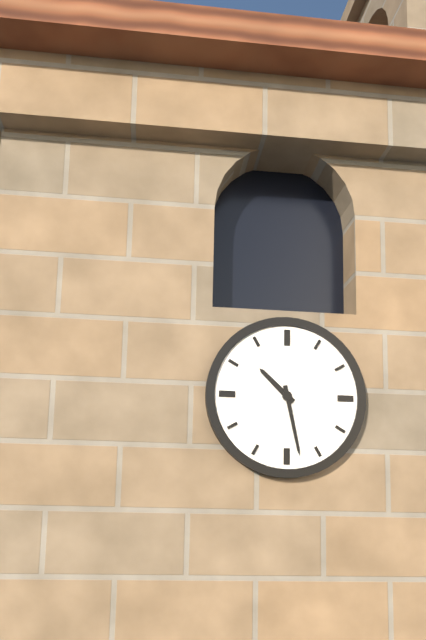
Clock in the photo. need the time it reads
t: 10:28
